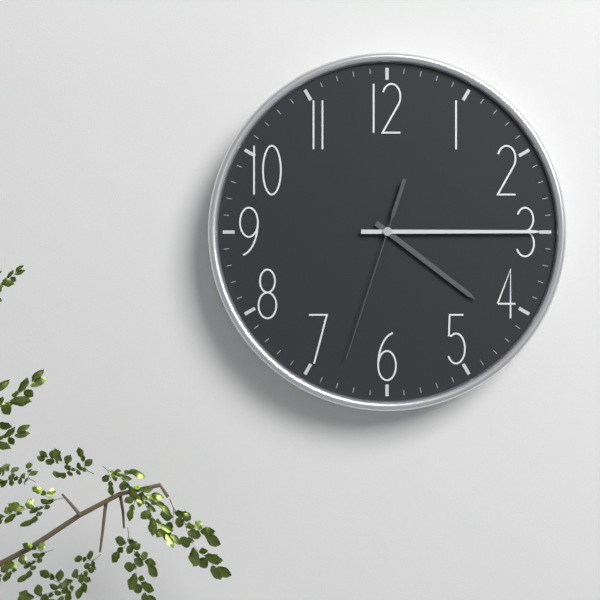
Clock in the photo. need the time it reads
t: 4:15:33
